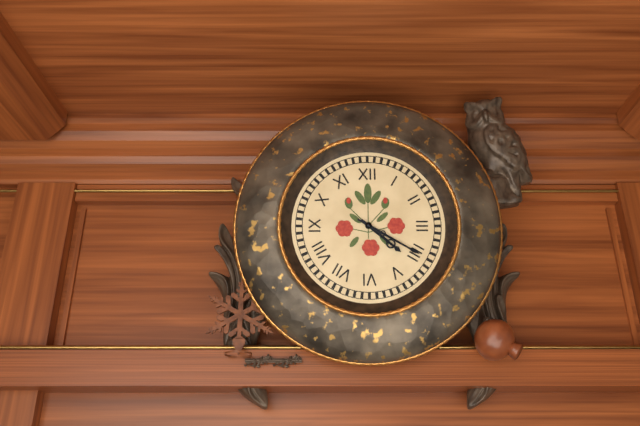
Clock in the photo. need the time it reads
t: 4:20
